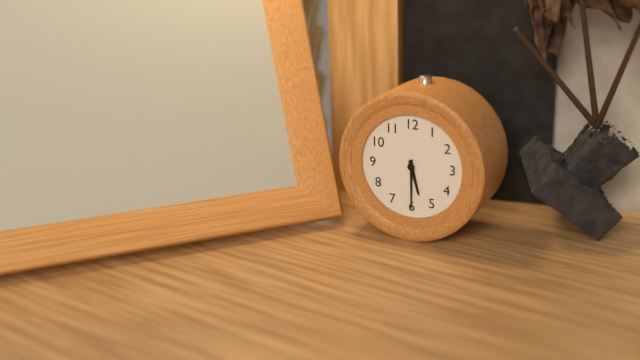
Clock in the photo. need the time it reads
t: 5:30
